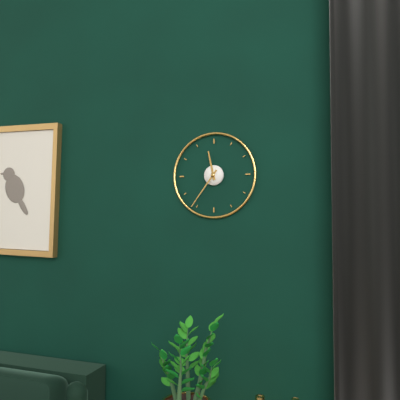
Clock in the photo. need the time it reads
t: 11:36
